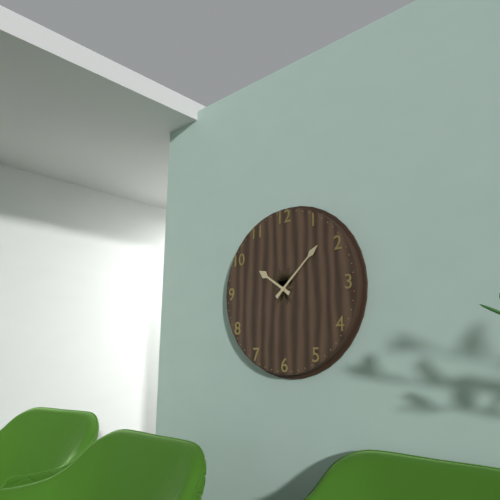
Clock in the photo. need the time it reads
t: 10:08
